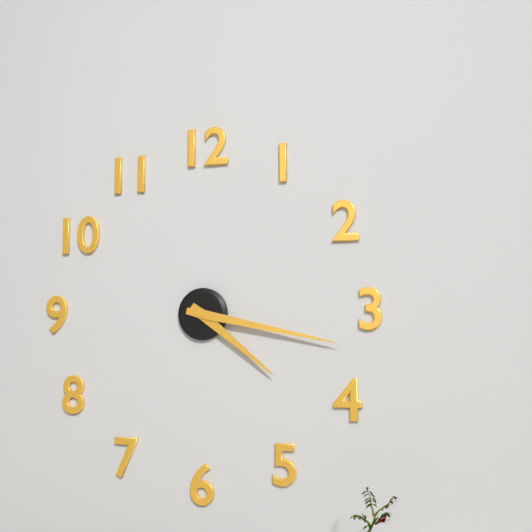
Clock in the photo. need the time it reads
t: 4:17
